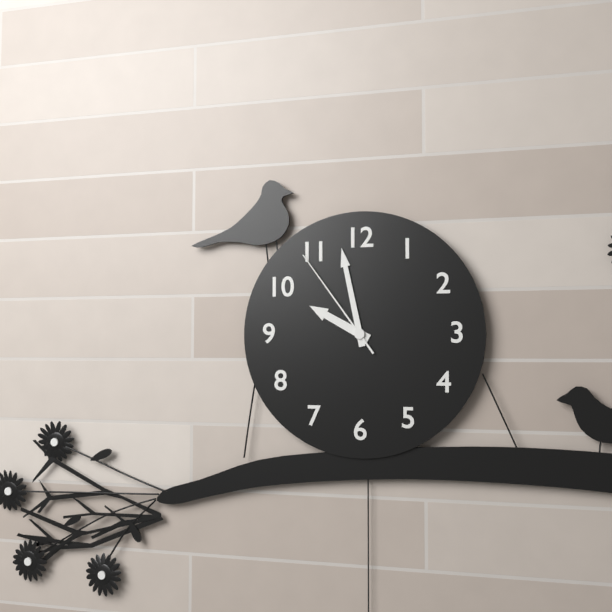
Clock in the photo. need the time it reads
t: 9:58:54
